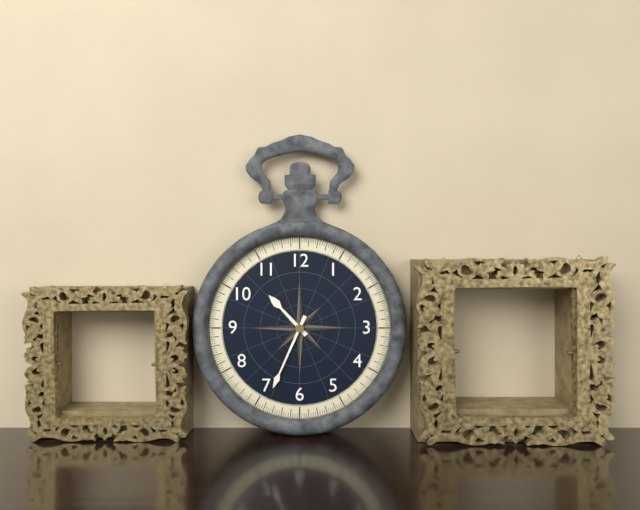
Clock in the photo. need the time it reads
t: 10:34
